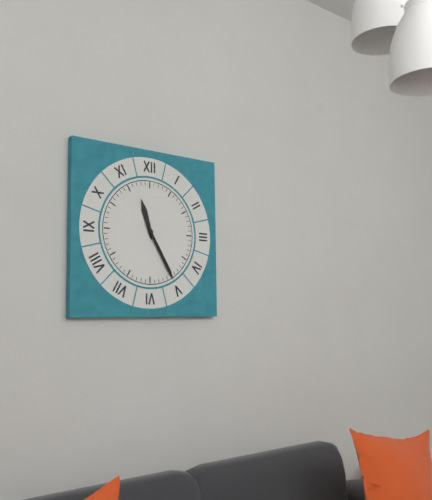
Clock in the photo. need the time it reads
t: 11:25
